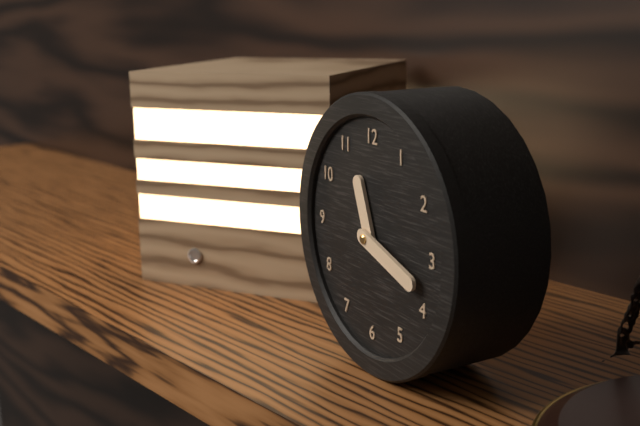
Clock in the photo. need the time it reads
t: 11:18
